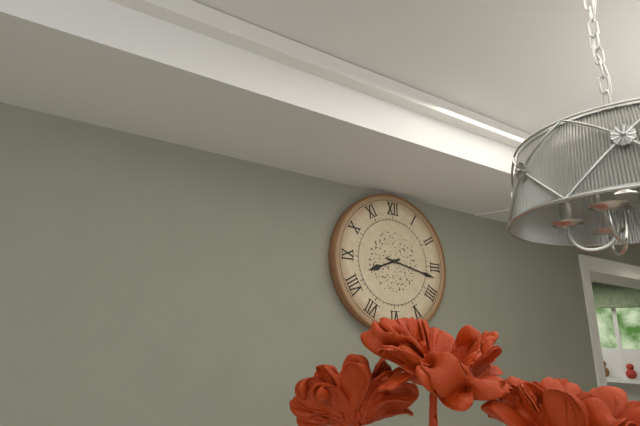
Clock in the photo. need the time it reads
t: 8:17
